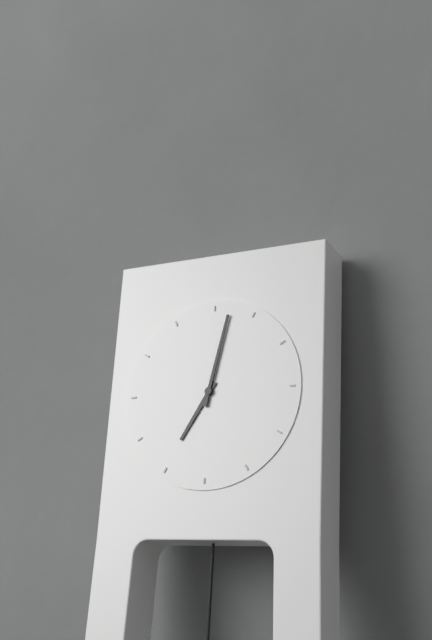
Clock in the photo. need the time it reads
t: 7:02
